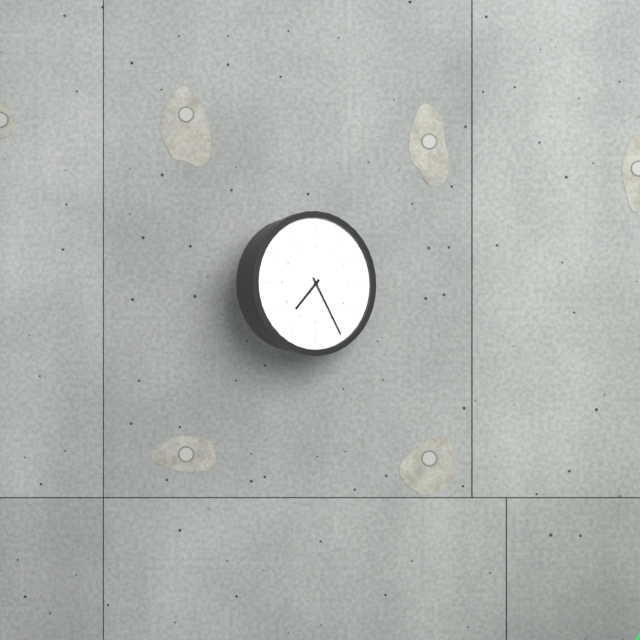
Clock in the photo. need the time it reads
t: 7:25
